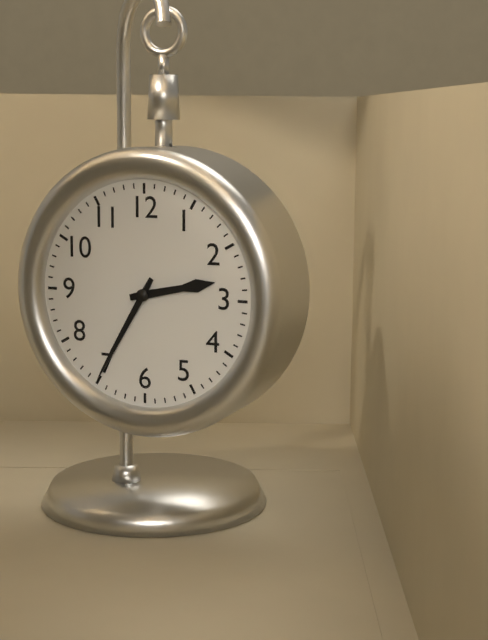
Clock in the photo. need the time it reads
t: 2:35
